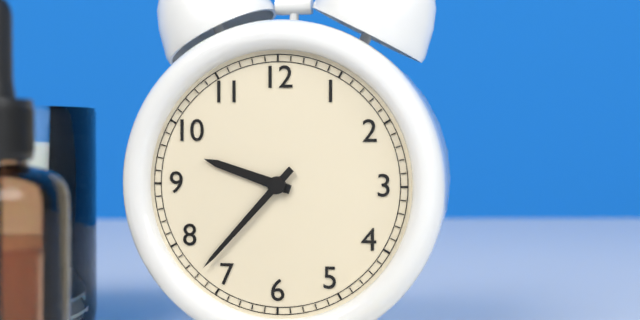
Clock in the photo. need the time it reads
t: 9:37
